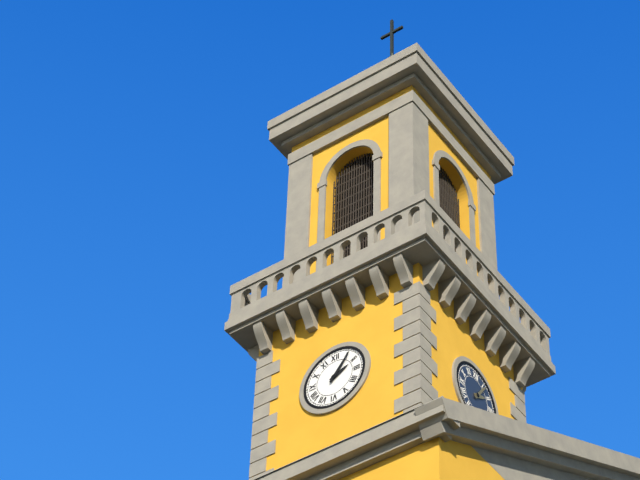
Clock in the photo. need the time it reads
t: 2:06
